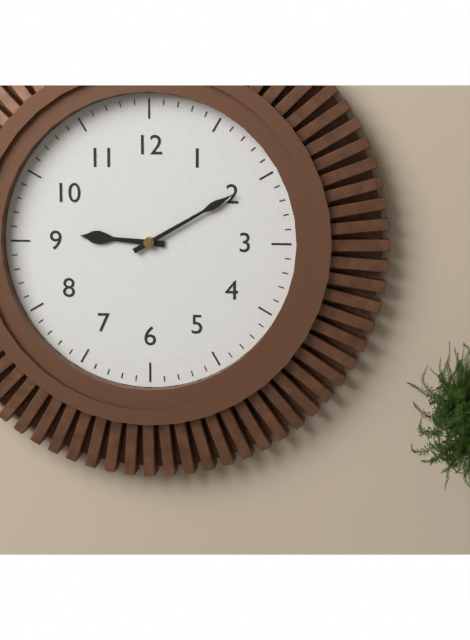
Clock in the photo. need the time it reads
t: 9:10
